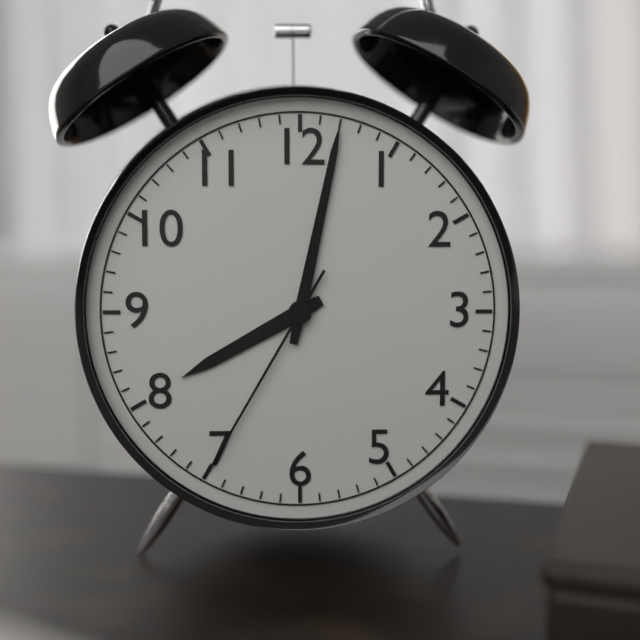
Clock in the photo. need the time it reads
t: 8:02:35
